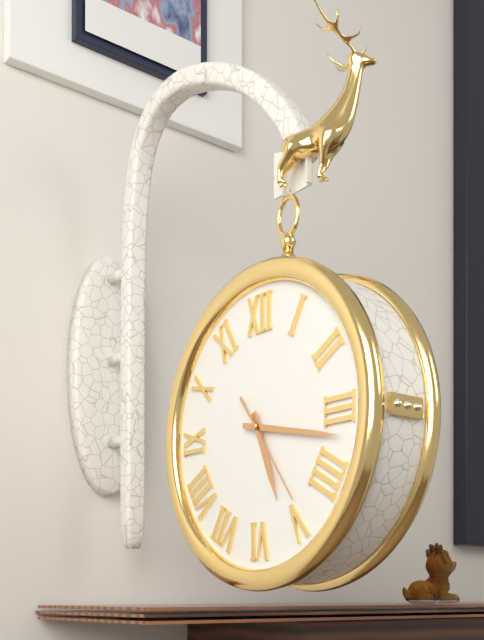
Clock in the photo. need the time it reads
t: 5:17:24
